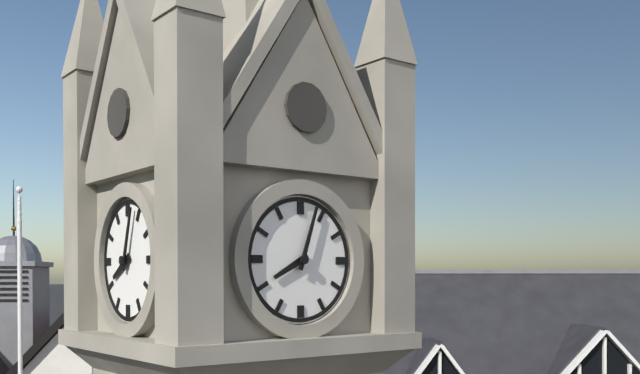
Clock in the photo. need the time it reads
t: 8:03
